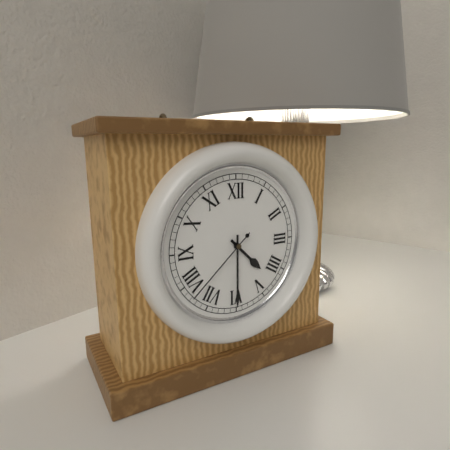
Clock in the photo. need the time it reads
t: 4:30:38
